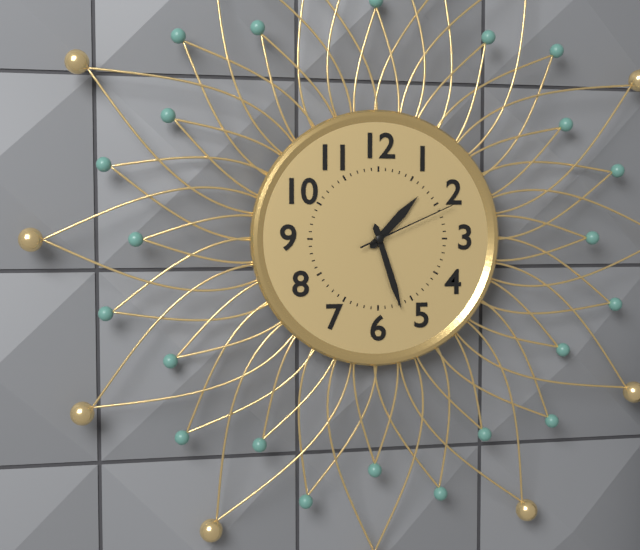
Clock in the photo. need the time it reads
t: 1:27:11
